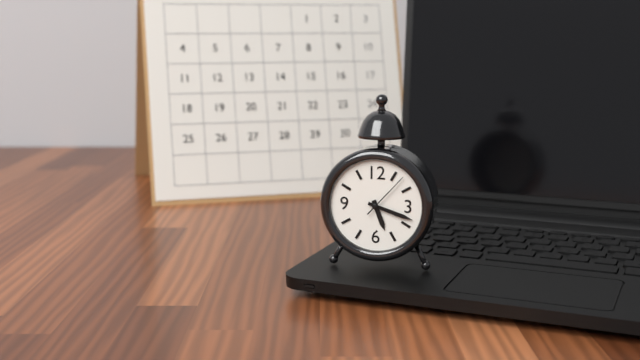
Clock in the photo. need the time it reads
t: 5:18
